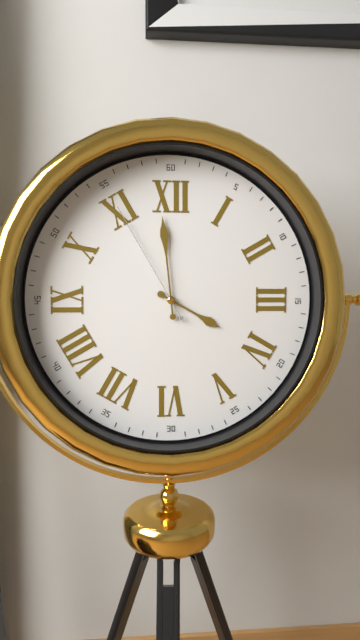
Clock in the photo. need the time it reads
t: 3:59:55
